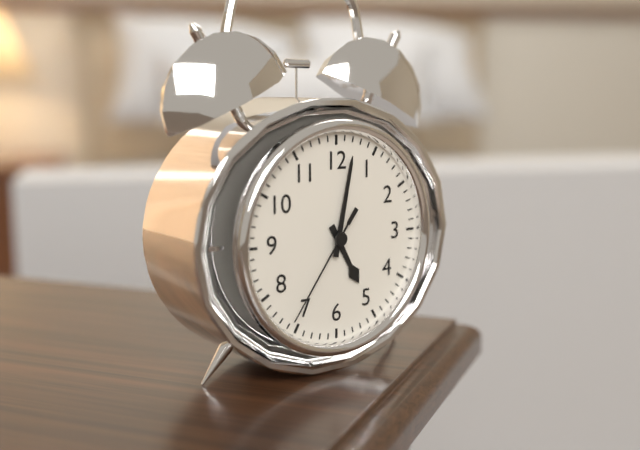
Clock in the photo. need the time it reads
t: 5:02:36
